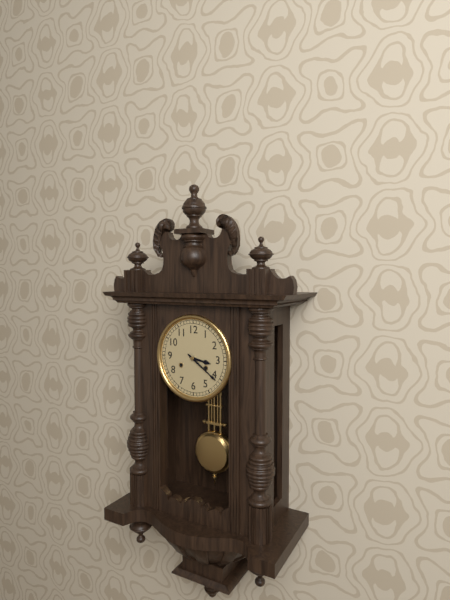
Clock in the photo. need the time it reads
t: 3:21
